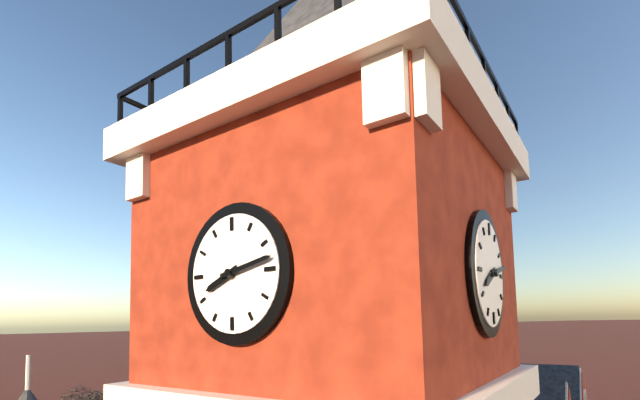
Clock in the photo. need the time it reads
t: 8:13
